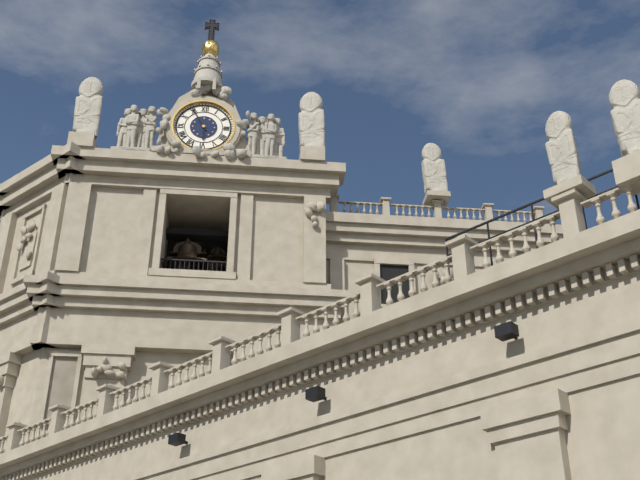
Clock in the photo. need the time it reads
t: 5:55
